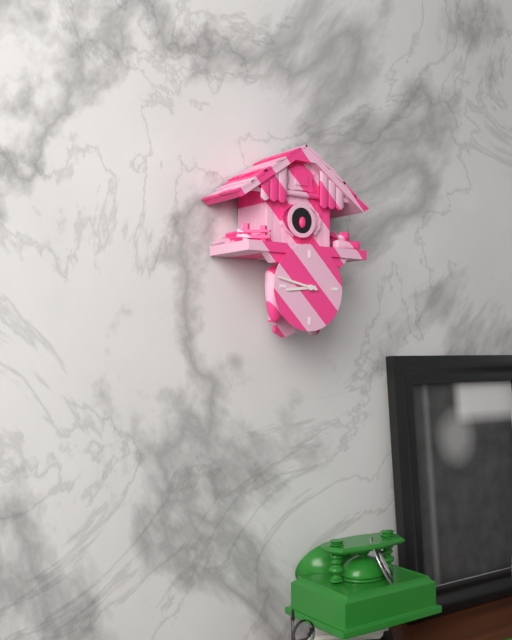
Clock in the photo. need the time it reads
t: 8:47
